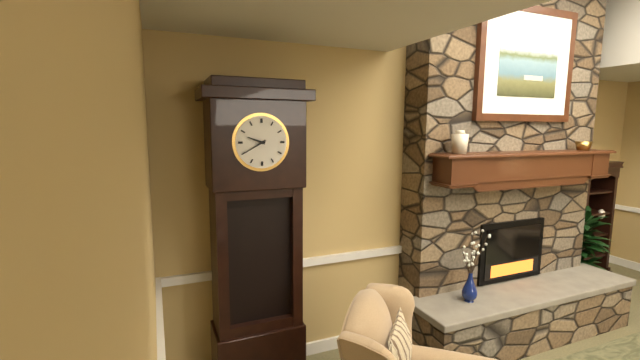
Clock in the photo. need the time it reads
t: 9:40
